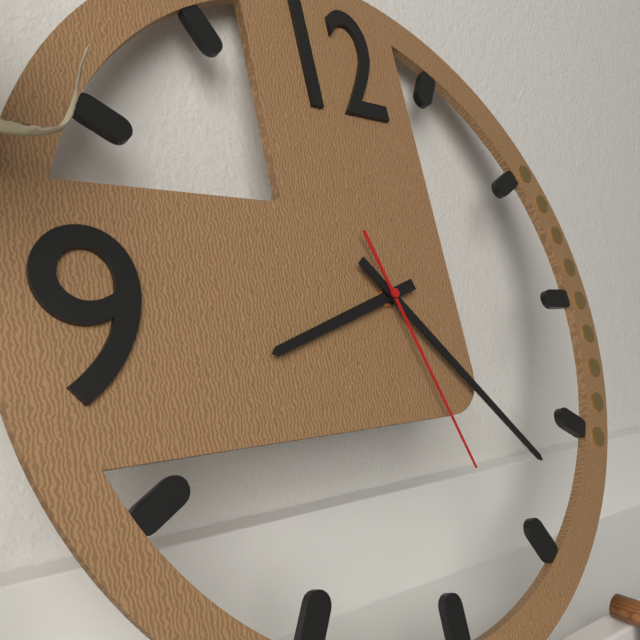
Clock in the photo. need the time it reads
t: 8:23:27
